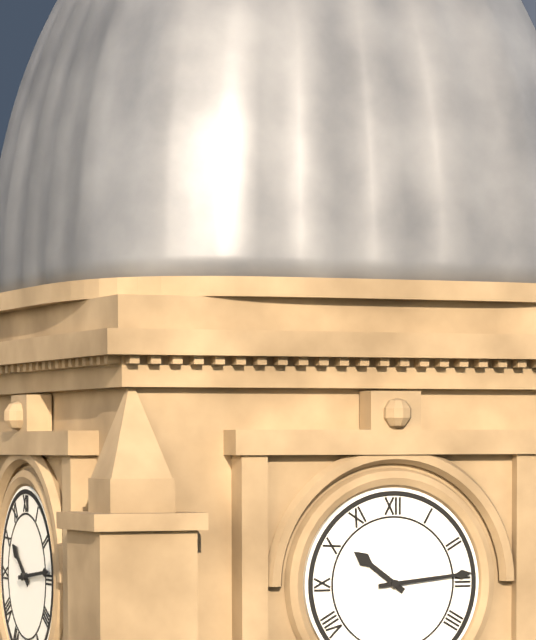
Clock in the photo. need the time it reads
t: 10:14
